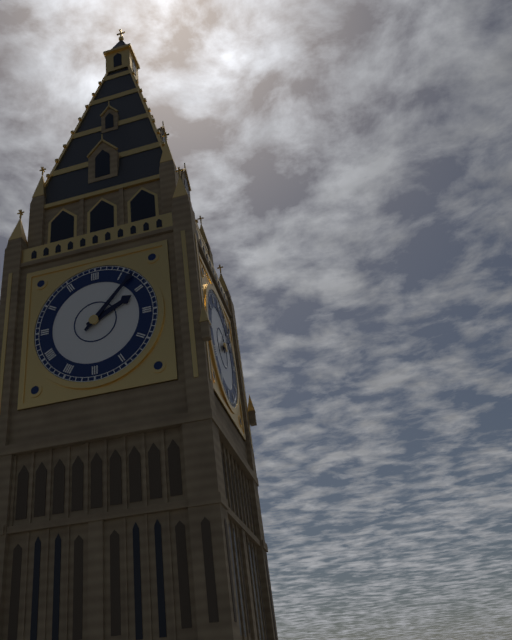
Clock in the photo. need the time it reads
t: 2:07
